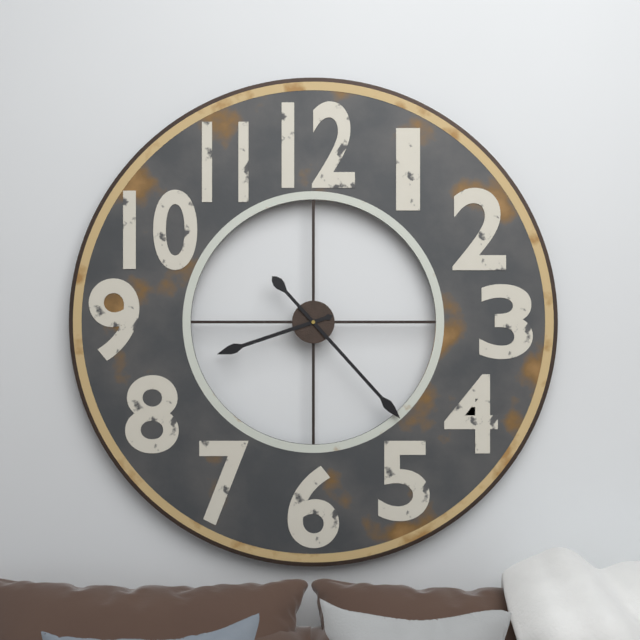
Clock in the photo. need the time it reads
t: 8:23
